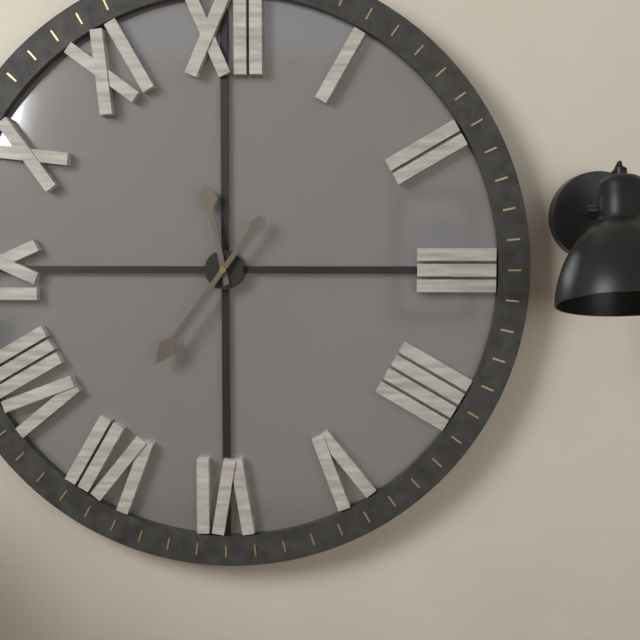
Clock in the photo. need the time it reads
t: 11:36
